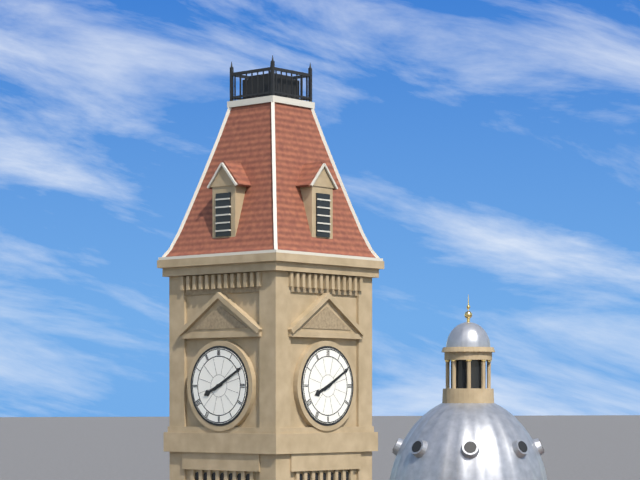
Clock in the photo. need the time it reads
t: 8:10
